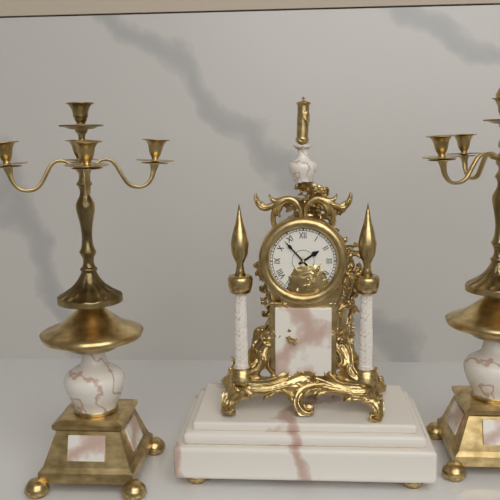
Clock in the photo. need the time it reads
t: 1:53
